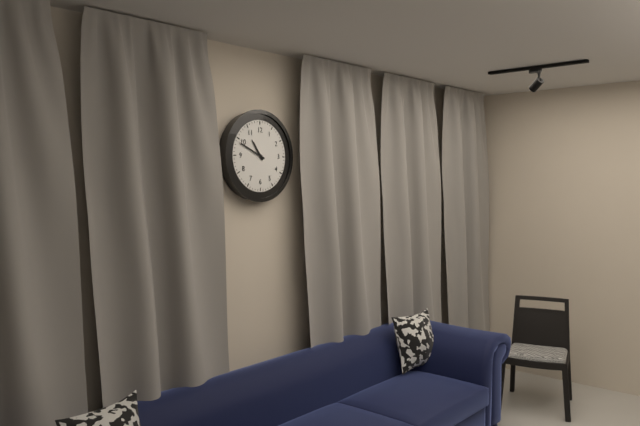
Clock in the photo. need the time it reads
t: 10:49
